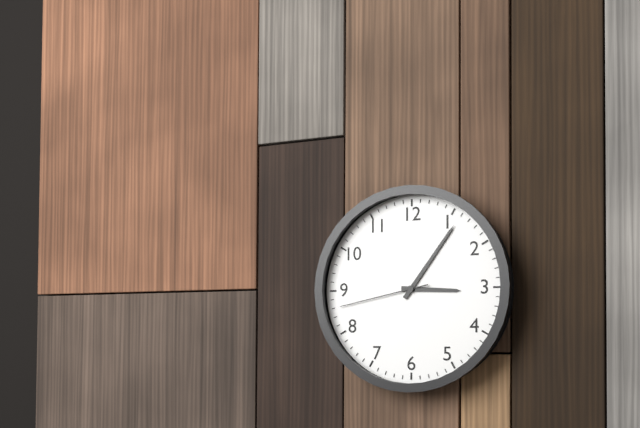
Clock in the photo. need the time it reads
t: 3:06:43
